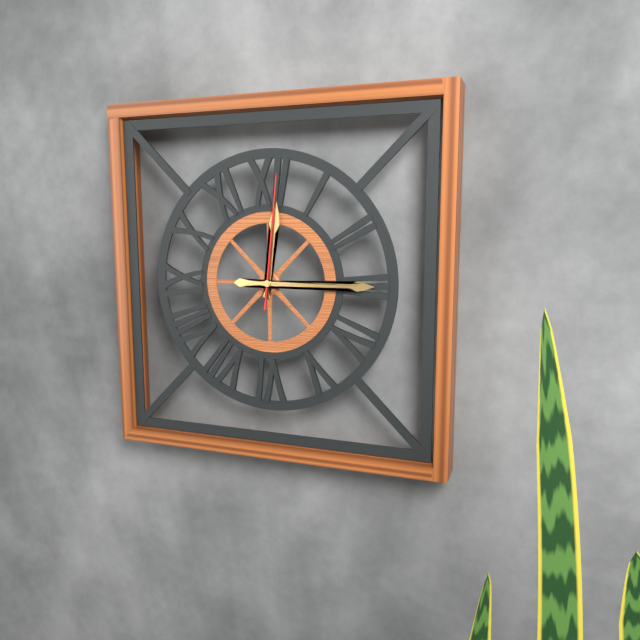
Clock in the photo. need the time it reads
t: 12:15:01
